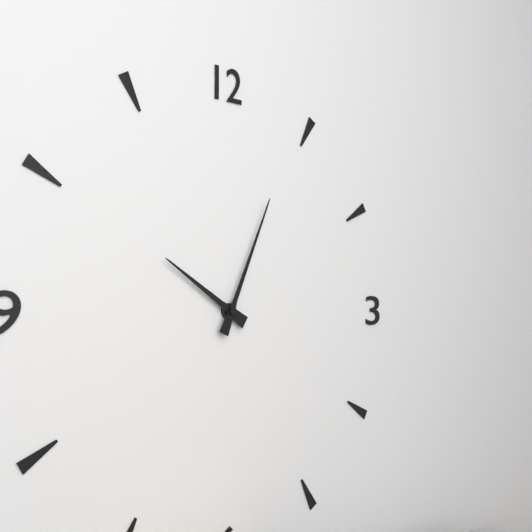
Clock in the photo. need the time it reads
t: 10:04
